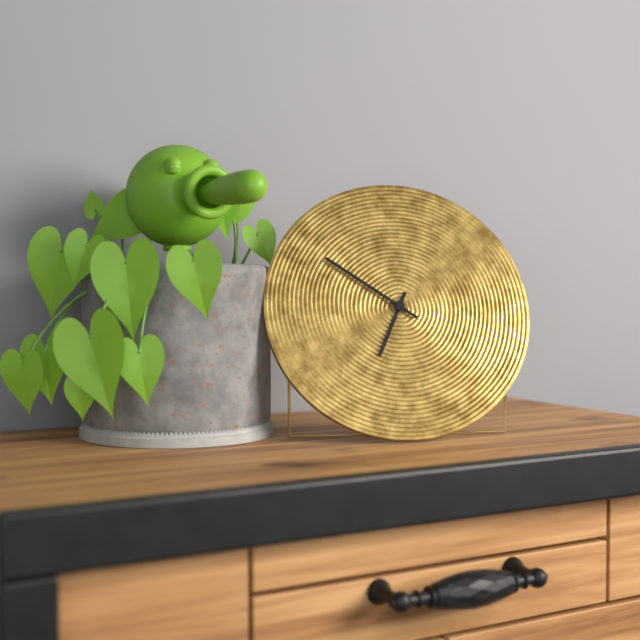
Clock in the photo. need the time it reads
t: 6:51
